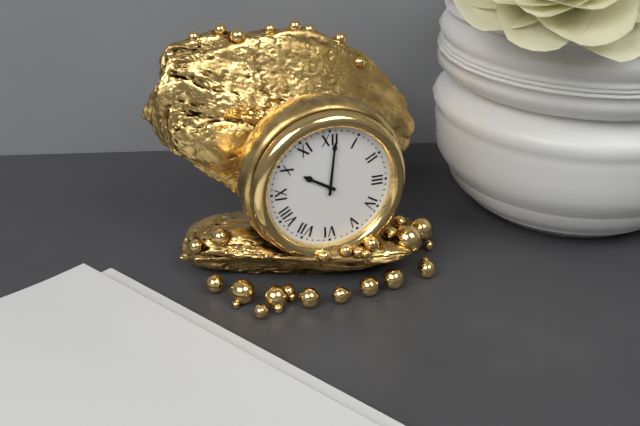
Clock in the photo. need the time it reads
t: 10:01
